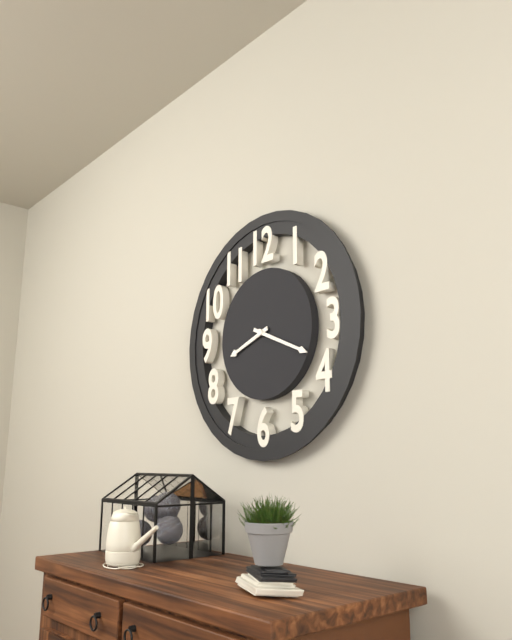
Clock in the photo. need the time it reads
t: 8:19
